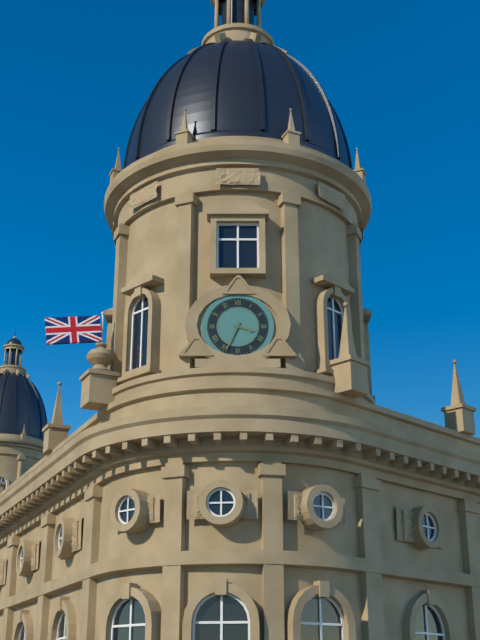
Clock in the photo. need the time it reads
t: 3:34
